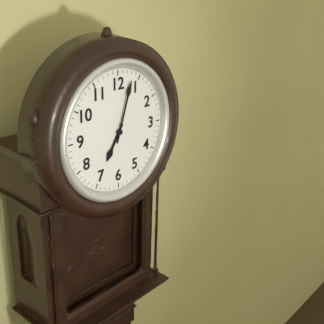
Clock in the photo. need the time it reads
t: 7:03
